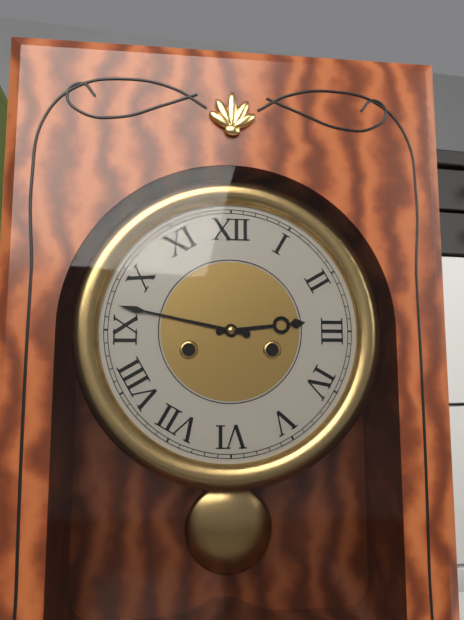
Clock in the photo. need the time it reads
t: 2:47
